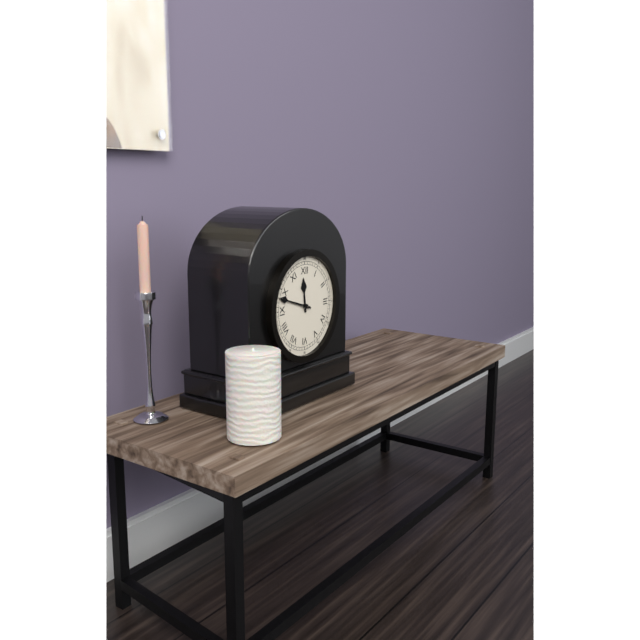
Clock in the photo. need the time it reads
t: 11:48
